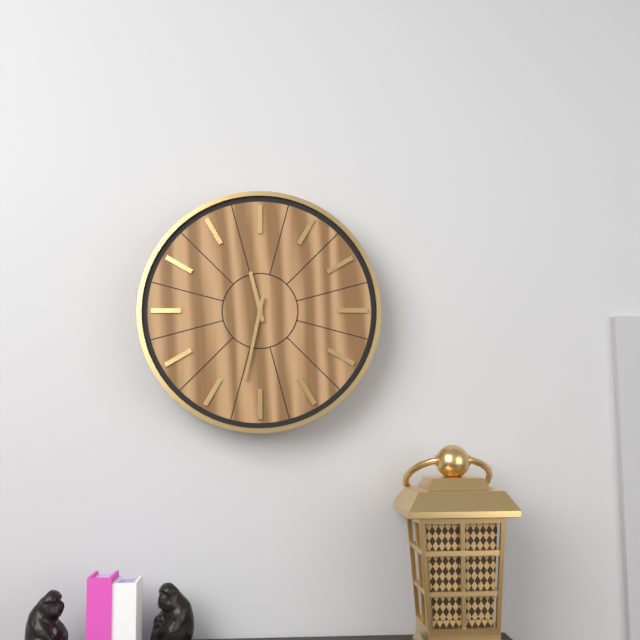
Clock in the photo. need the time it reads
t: 11:32
